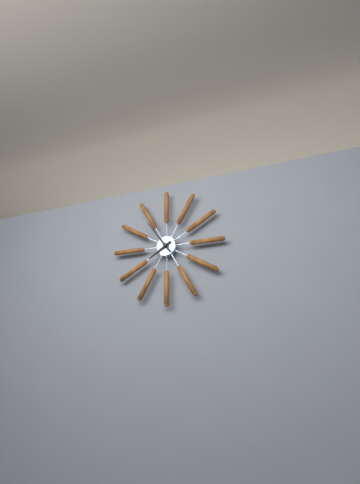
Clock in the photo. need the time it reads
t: 7:54
